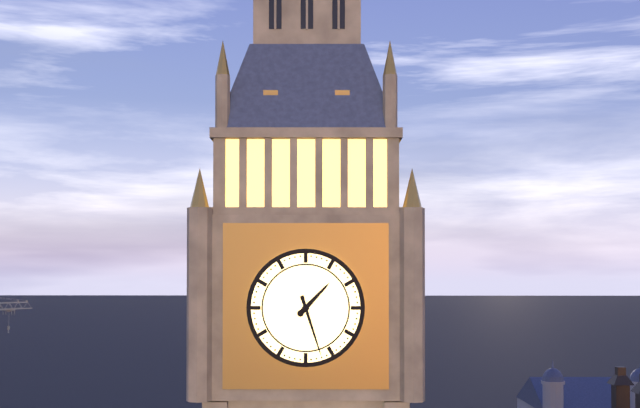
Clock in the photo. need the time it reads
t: 1:27
